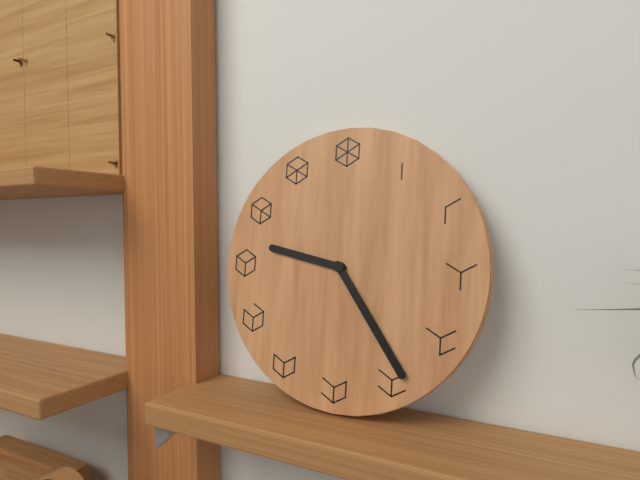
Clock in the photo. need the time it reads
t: 9:24
